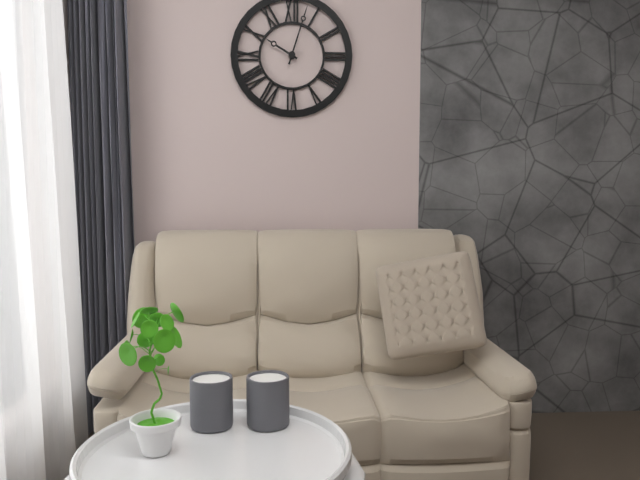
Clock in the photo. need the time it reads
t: 10:03
